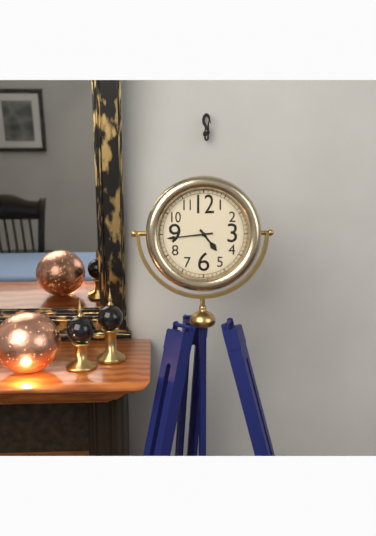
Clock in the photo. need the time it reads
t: 4:44
